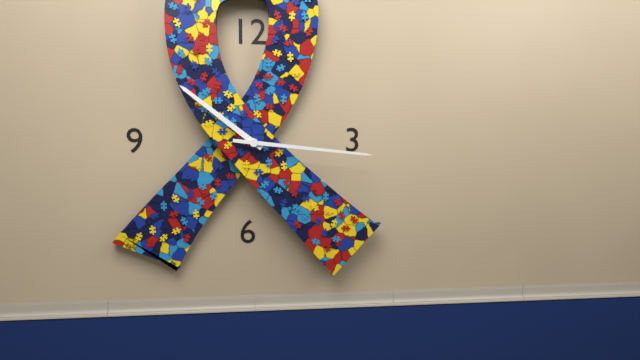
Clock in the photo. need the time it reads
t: 10:16
